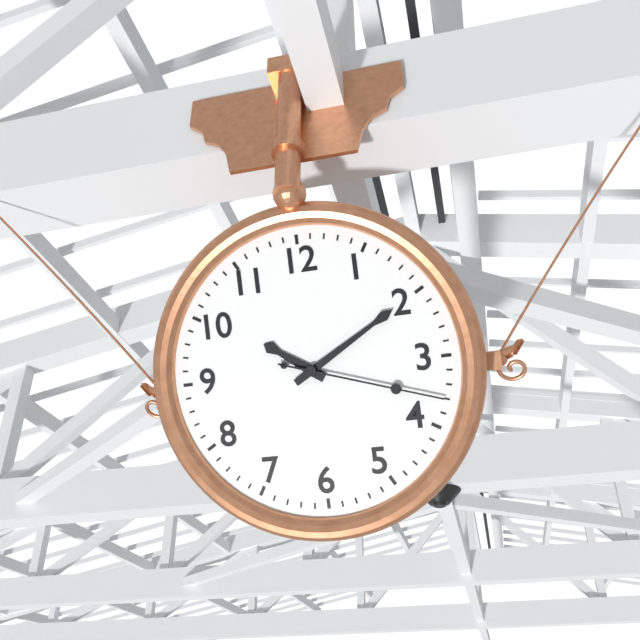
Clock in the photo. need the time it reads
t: 10:10:18
